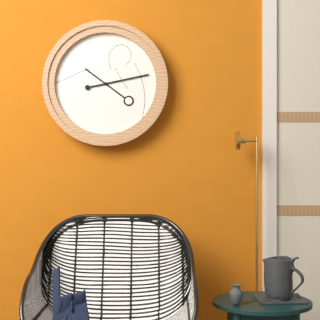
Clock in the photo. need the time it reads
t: 10:13
